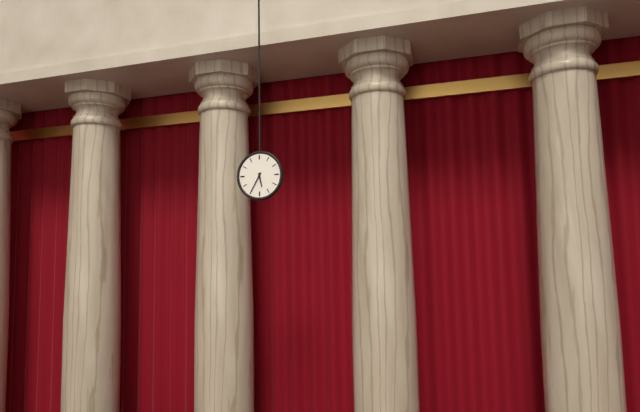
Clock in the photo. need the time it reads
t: 5:35
